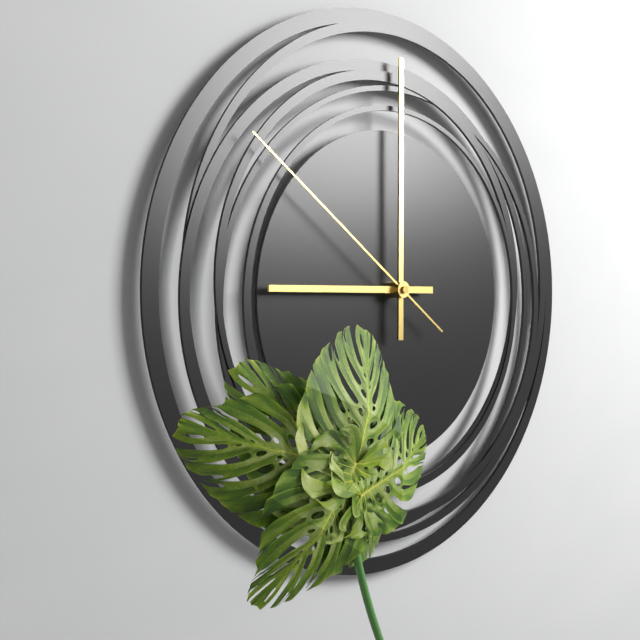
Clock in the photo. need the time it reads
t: 9:00:51
